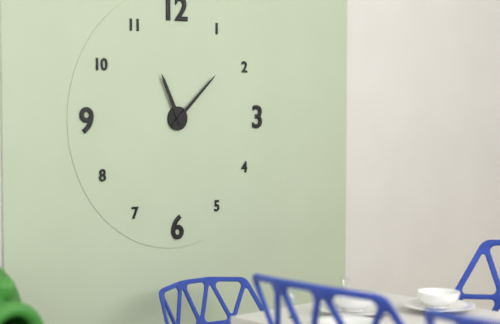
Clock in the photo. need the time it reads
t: 11:08
